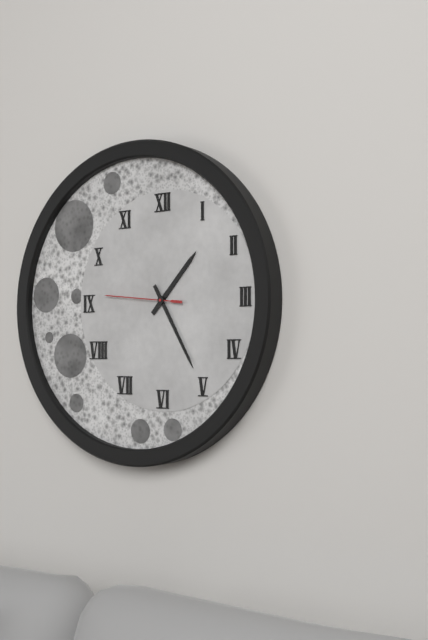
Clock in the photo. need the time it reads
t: 1:25:46
